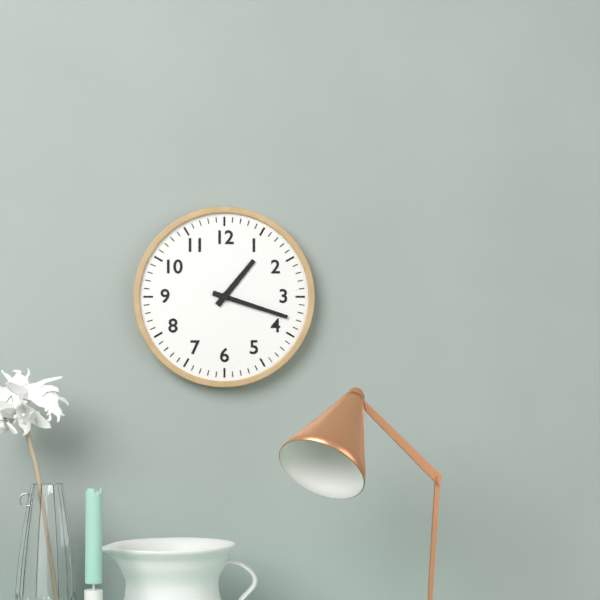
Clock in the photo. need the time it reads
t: 1:18
